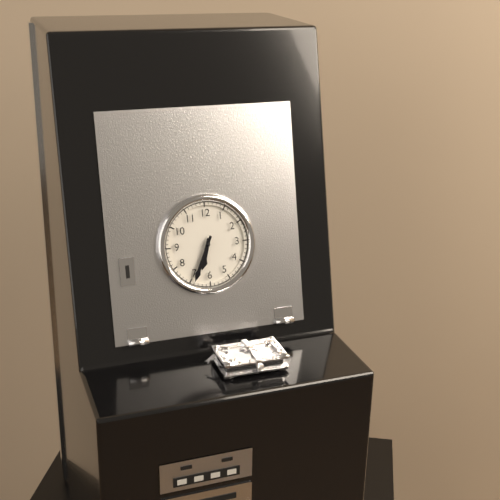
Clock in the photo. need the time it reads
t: 6:34
